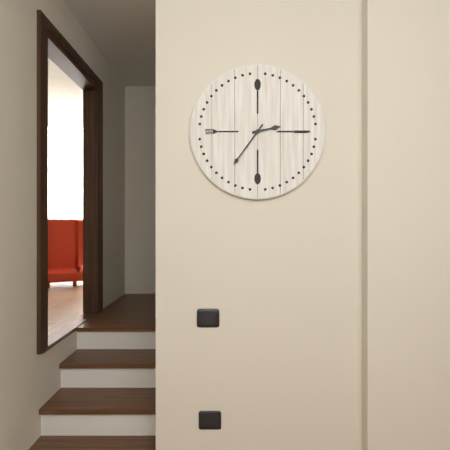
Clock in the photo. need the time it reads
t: 2:36
